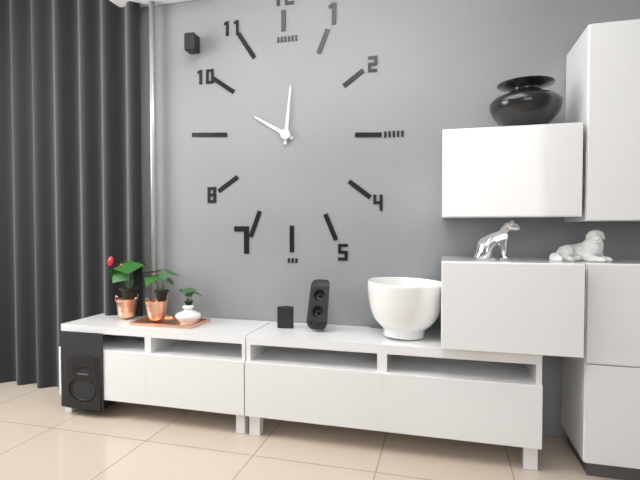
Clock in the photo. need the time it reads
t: 10:01
